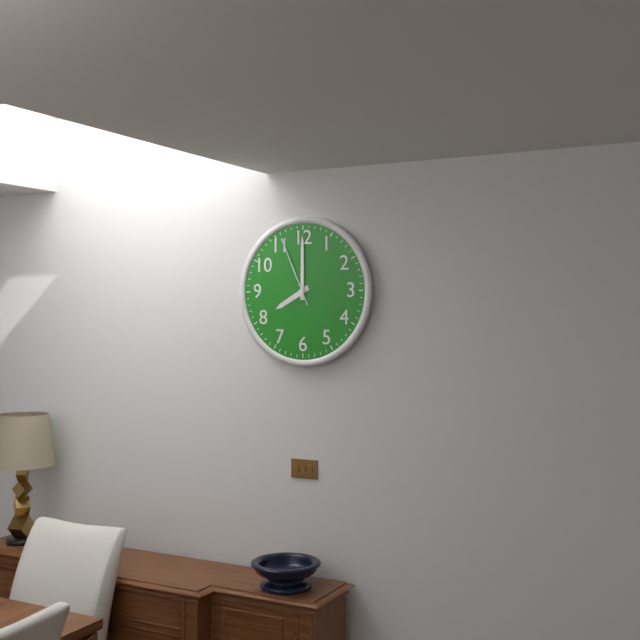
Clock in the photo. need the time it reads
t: 8:00:56
